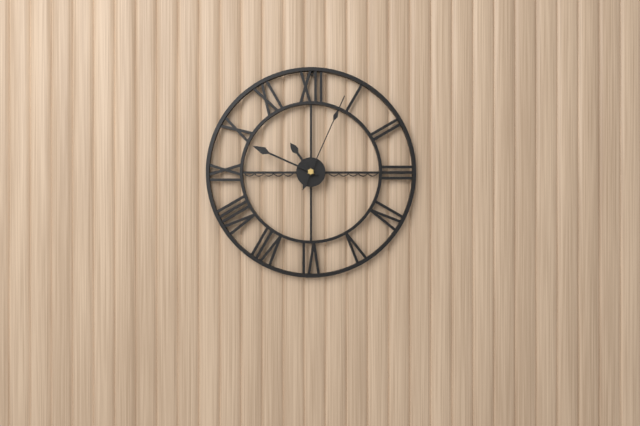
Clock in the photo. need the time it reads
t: 10:49:04
